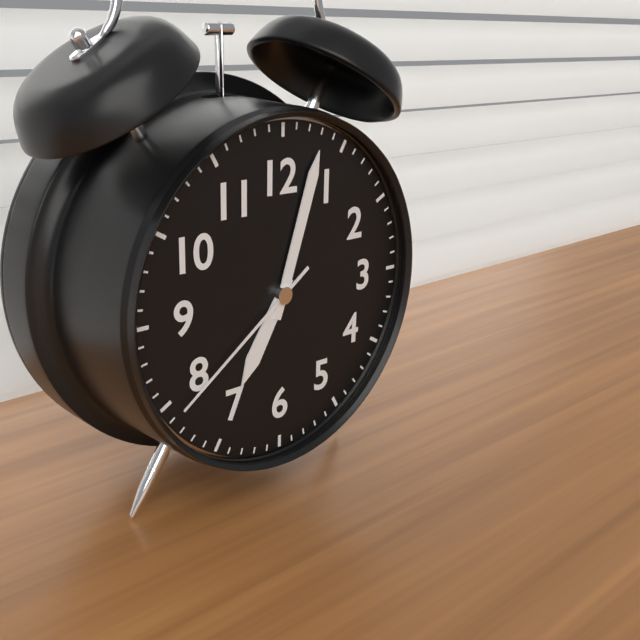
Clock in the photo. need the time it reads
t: 7:03:39
